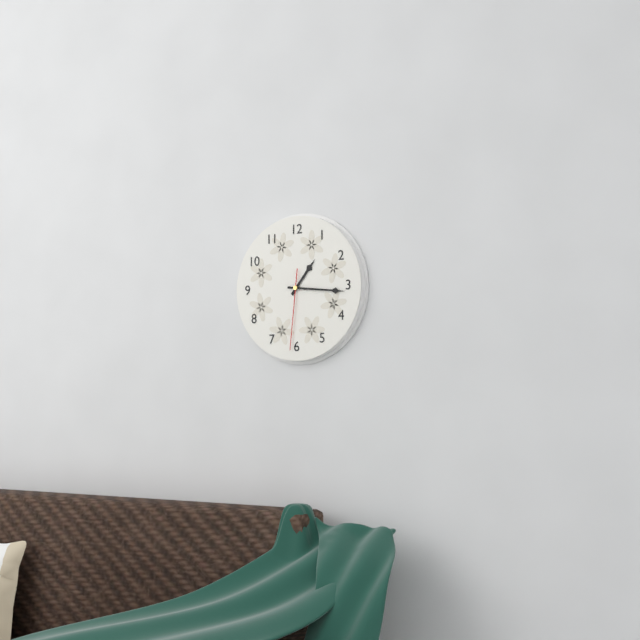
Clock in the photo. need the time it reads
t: 1:16:31
